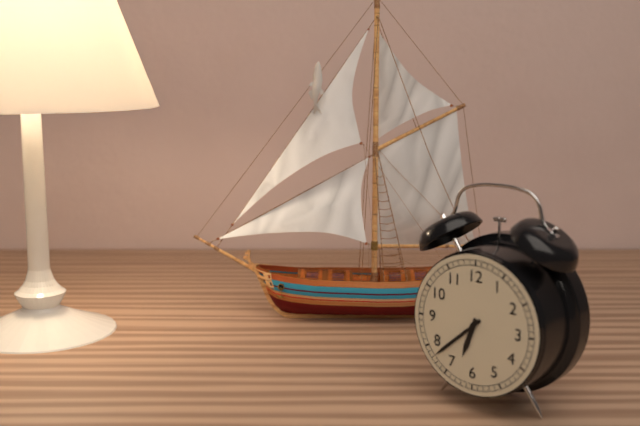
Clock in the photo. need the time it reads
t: 6:38
